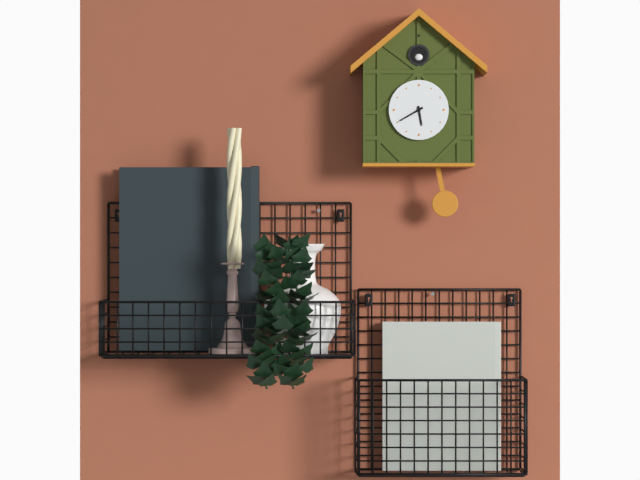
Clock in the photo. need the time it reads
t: 5:40
